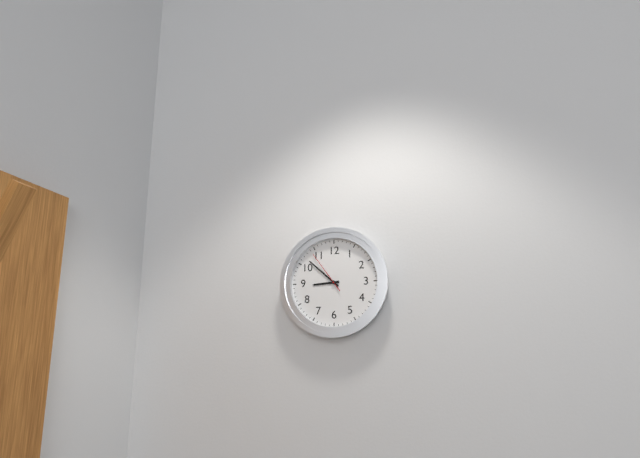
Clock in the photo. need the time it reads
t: 8:52
